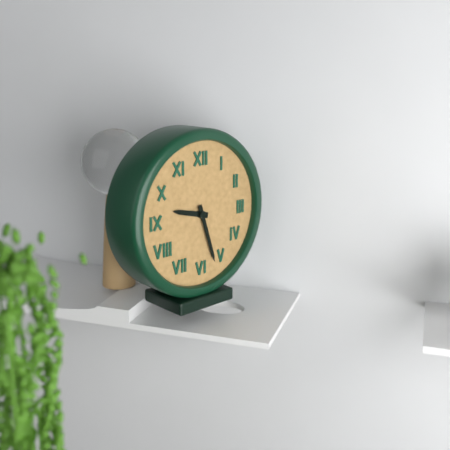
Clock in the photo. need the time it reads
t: 9:27
